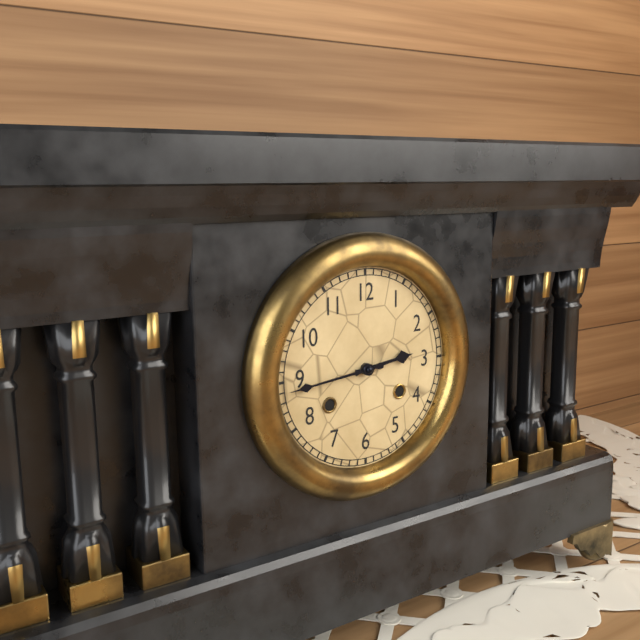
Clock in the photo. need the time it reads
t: 2:44
